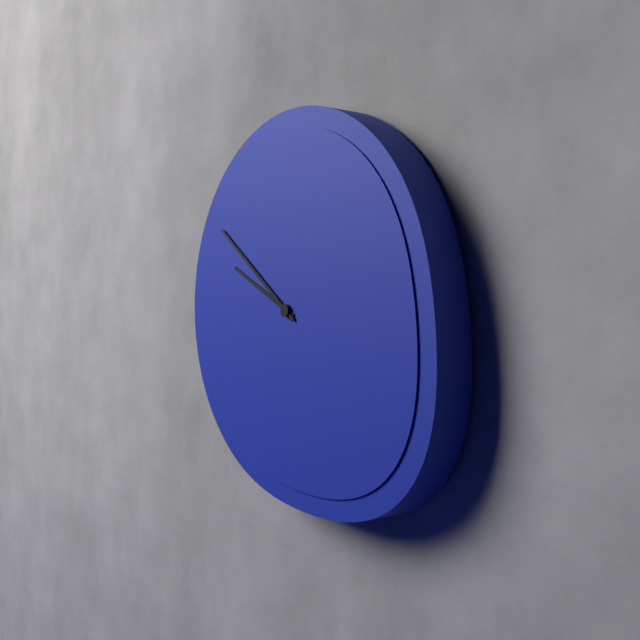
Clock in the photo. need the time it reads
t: 9:51
